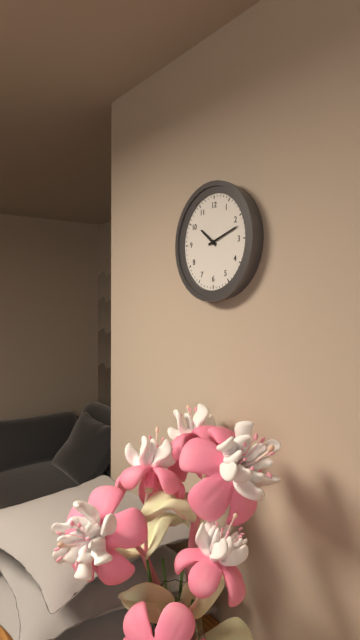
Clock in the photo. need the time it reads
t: 10:12
